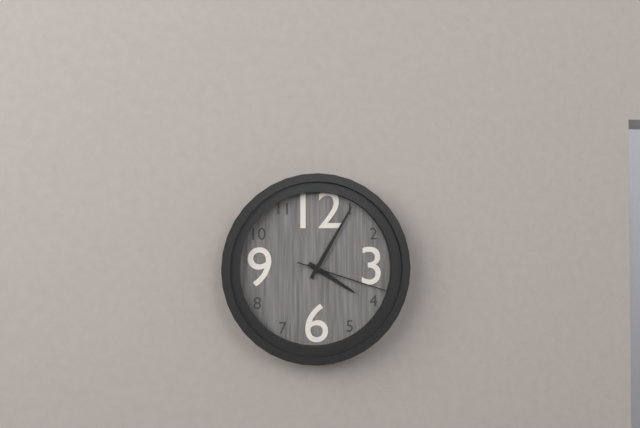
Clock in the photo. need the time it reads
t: 4:05:18
